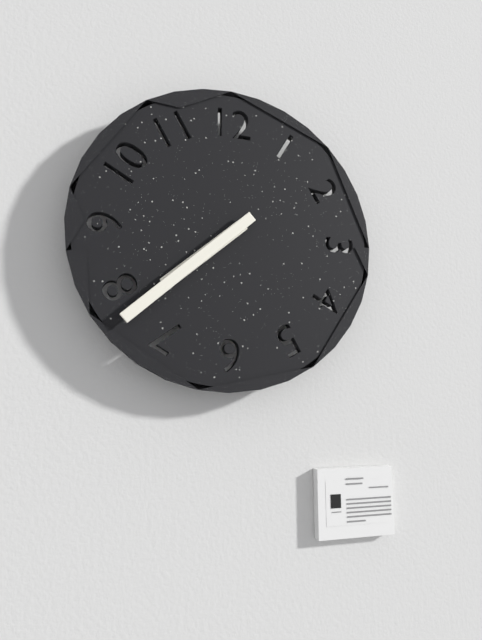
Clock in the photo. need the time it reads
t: 7:38
